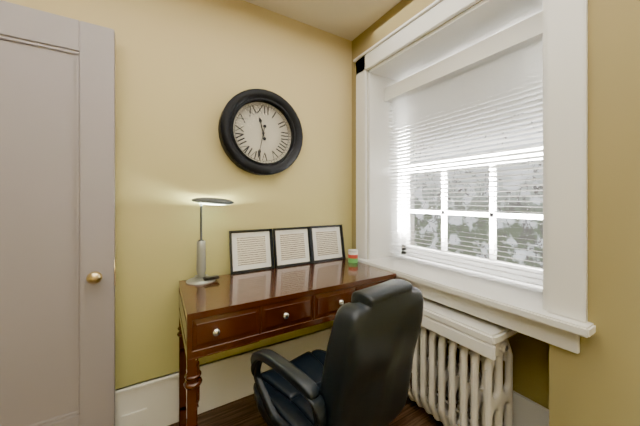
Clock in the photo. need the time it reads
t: 11:32
